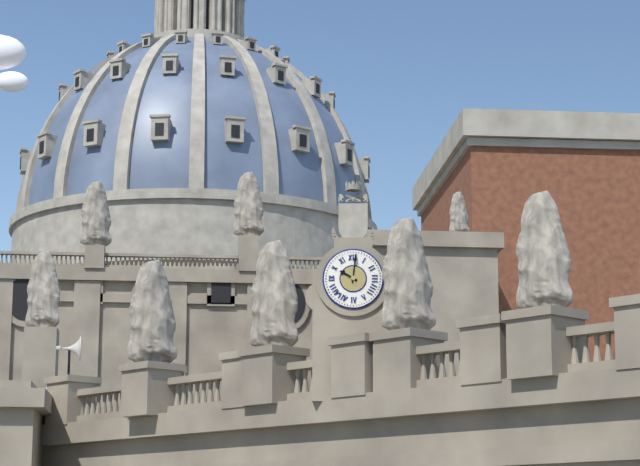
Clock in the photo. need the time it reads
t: 10:01
